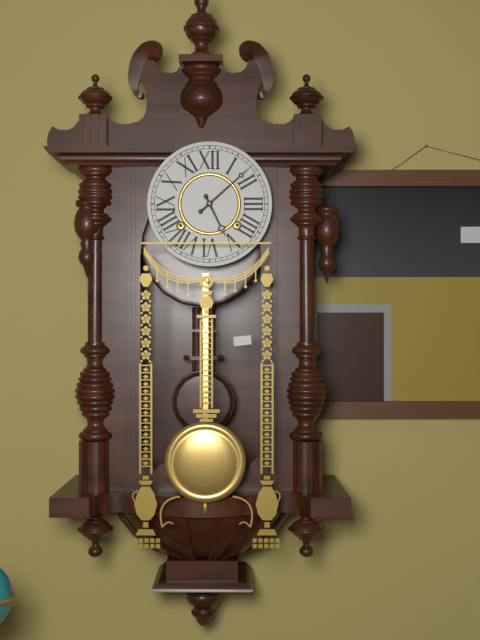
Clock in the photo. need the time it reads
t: 5:08
